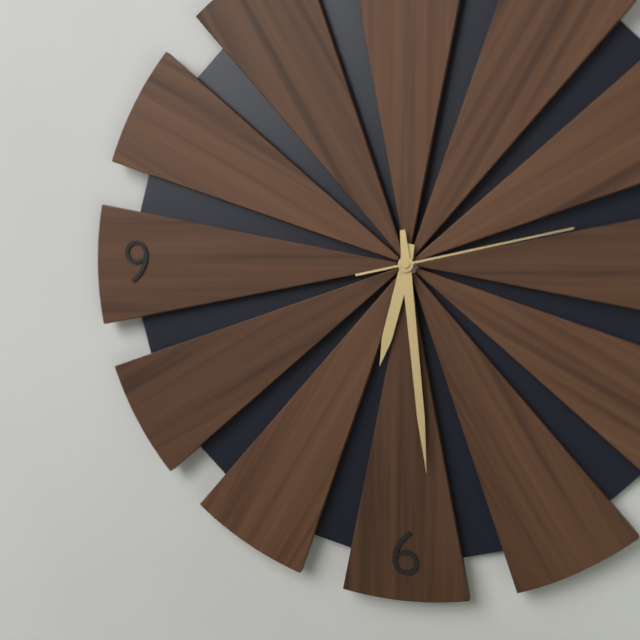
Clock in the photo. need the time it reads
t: 6:29:13
